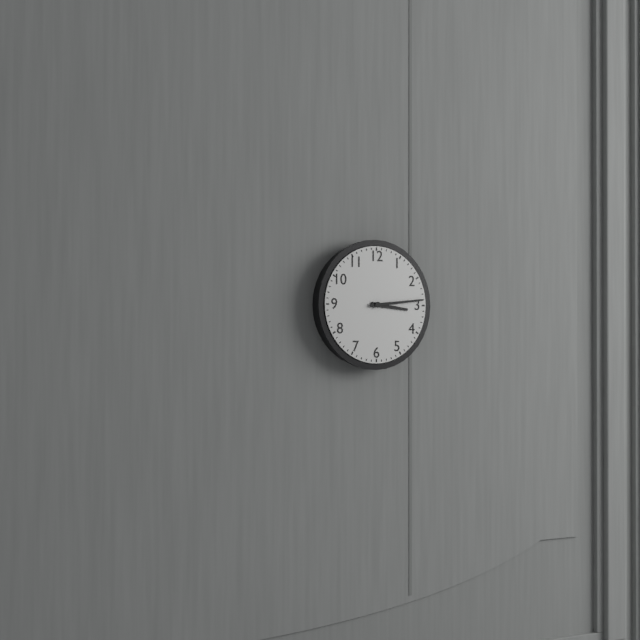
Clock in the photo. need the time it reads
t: 3:14
